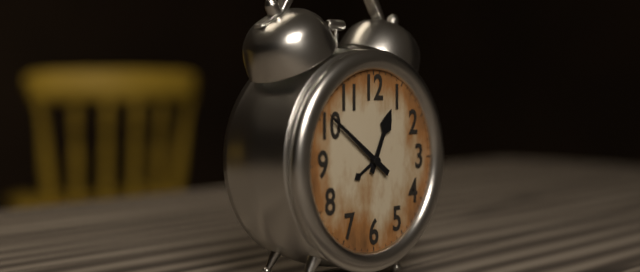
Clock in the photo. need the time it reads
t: 12:51
